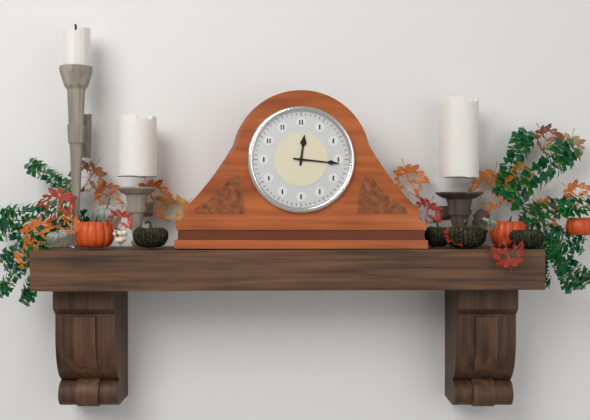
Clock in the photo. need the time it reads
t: 12:16
